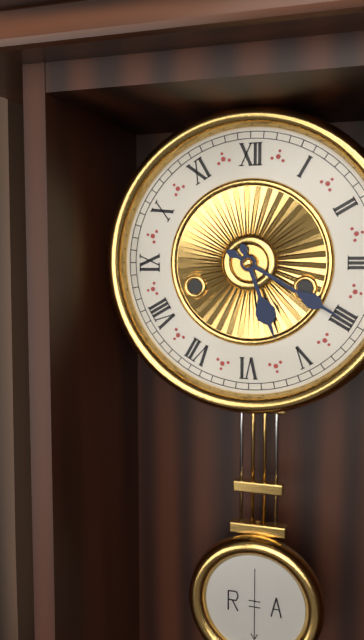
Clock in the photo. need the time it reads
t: 5:20
